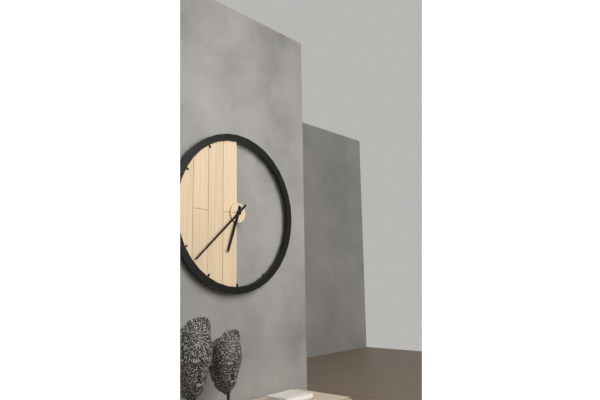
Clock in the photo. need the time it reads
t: 6:38
